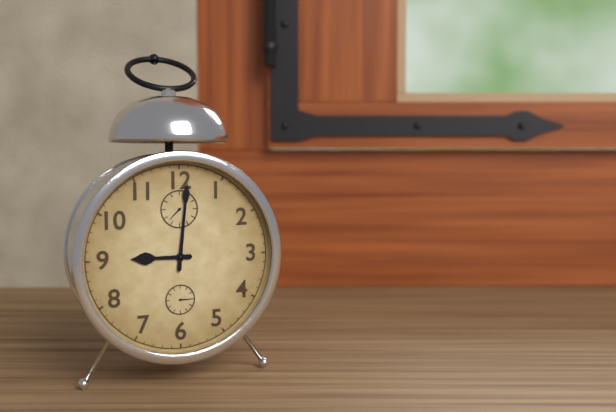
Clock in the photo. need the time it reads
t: 9:01
